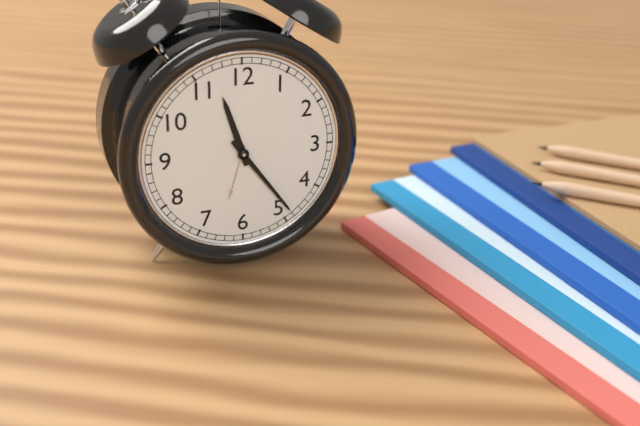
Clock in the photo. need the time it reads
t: 11:24
